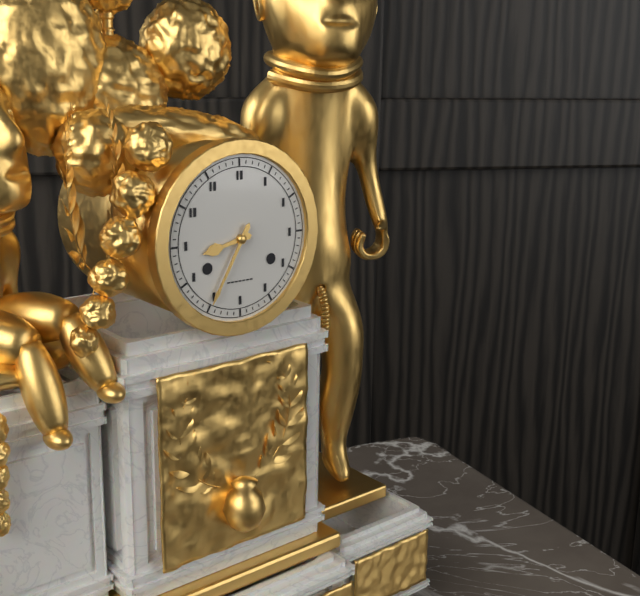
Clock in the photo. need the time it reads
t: 8:35
